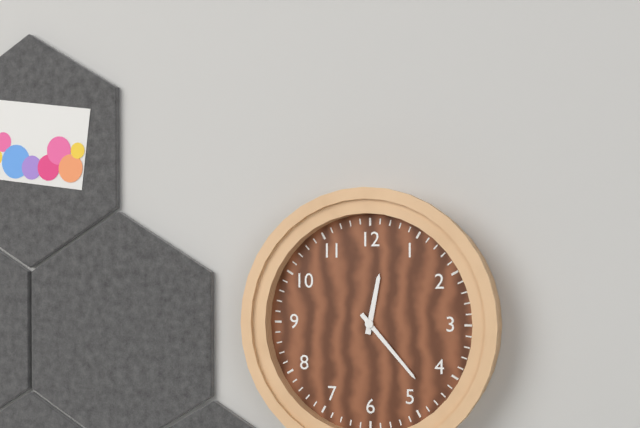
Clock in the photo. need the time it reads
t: 12:23
